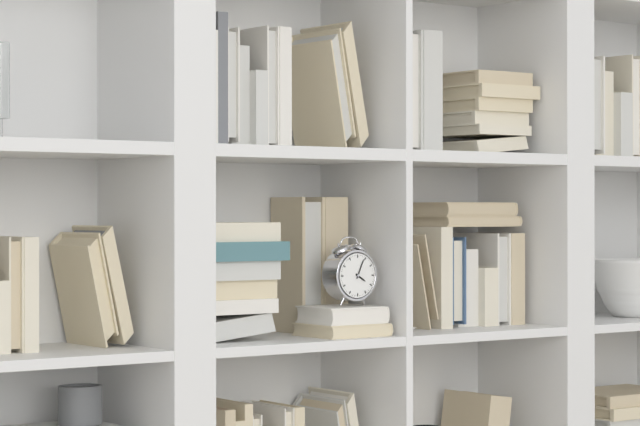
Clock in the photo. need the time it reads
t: 4:04
